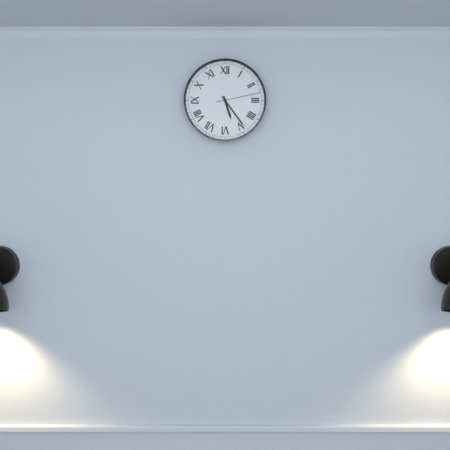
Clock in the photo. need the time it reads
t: 5:24
